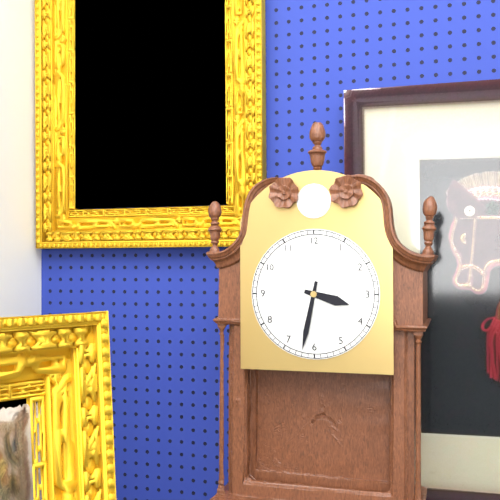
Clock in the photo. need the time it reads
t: 3:32
